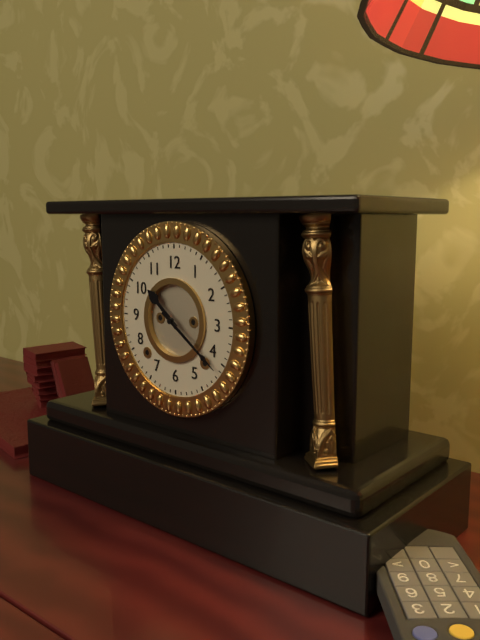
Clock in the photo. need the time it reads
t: 10:21
